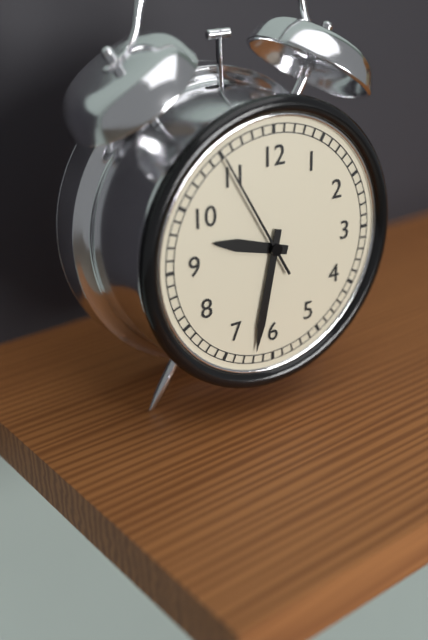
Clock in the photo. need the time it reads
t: 9:32:55
